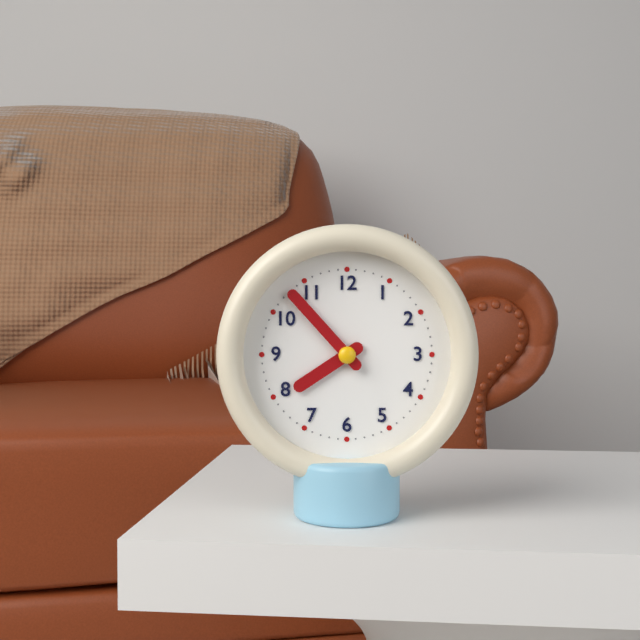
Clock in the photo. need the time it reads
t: 7:53
